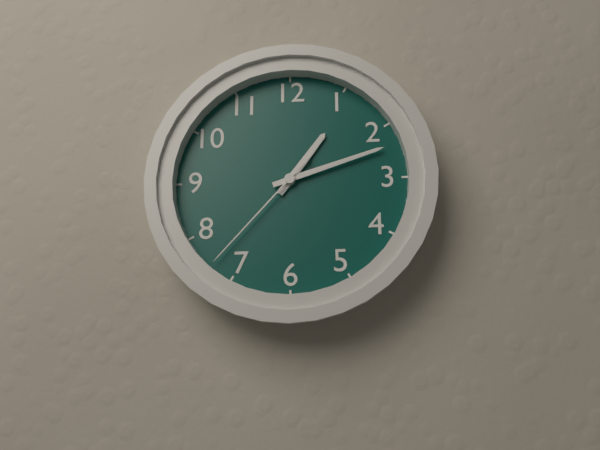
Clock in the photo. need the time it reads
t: 1:12:37
